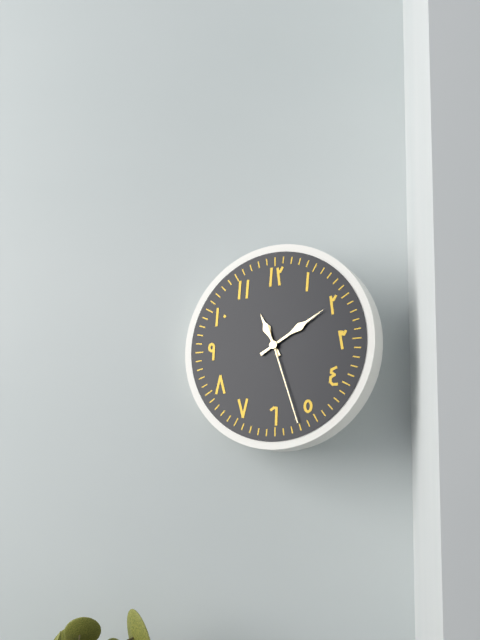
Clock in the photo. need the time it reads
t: 11:10:27
